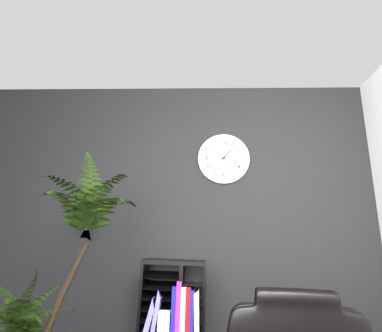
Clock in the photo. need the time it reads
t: 1:20
